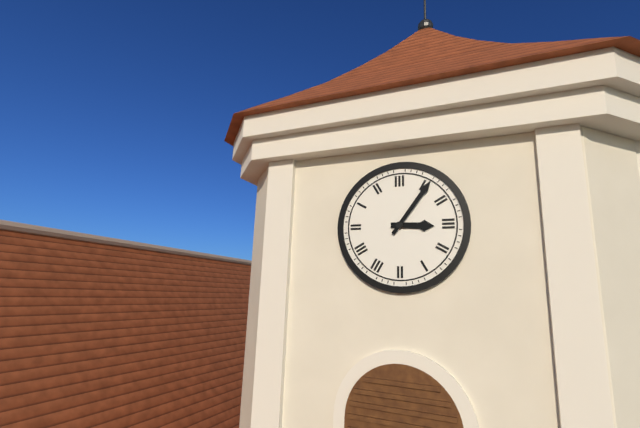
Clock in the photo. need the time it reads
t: 3:06
